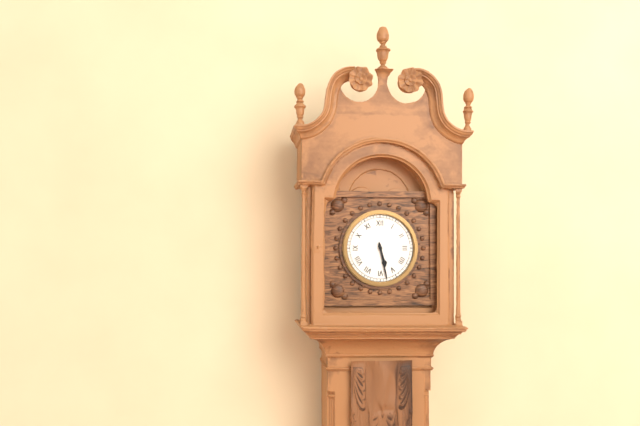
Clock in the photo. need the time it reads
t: 5:28
